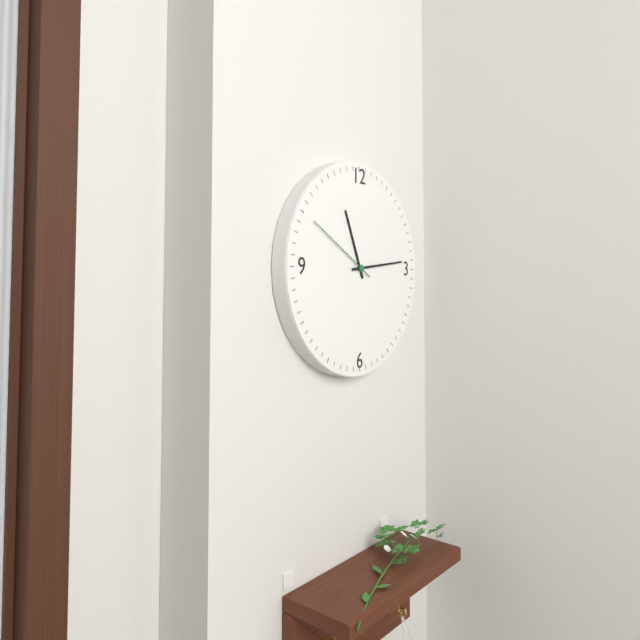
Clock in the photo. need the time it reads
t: 11:14:50
